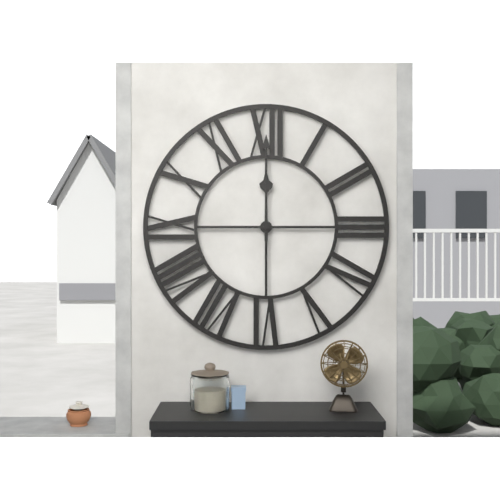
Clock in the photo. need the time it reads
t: 12:00
